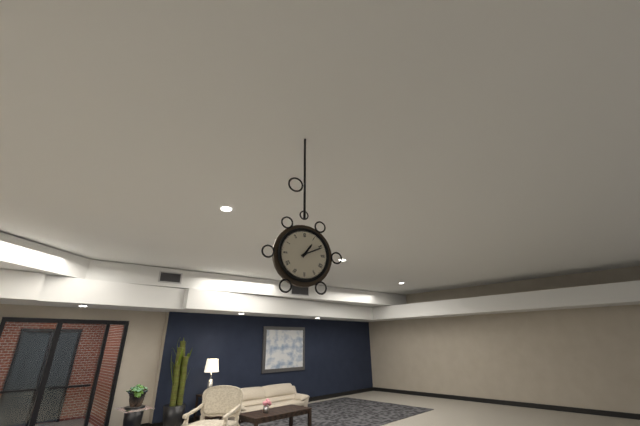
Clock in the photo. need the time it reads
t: 1:11
